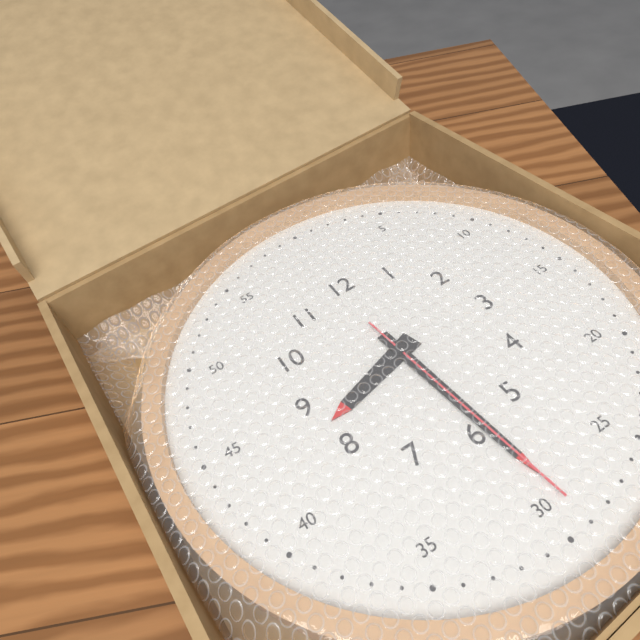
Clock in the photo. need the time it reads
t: 8:29:29
